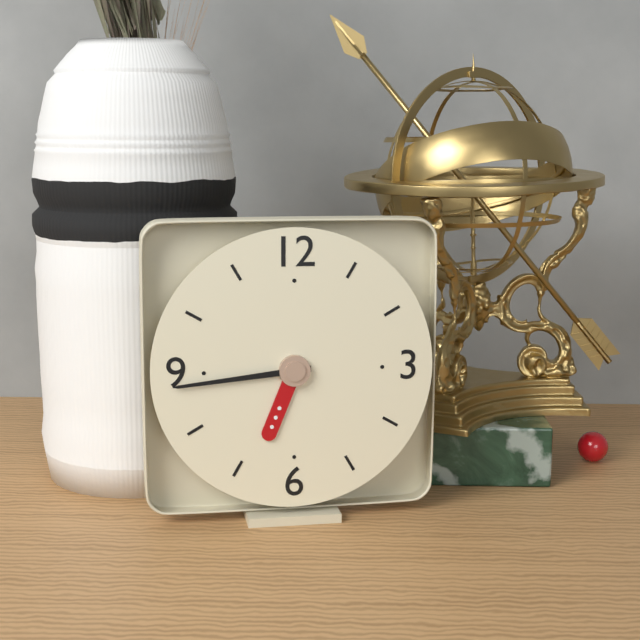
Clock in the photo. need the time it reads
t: 6:44
